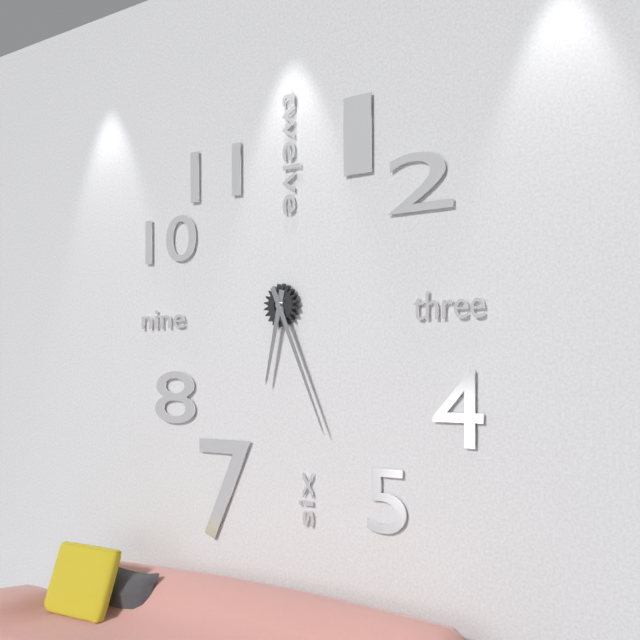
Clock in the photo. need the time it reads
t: 6:26
